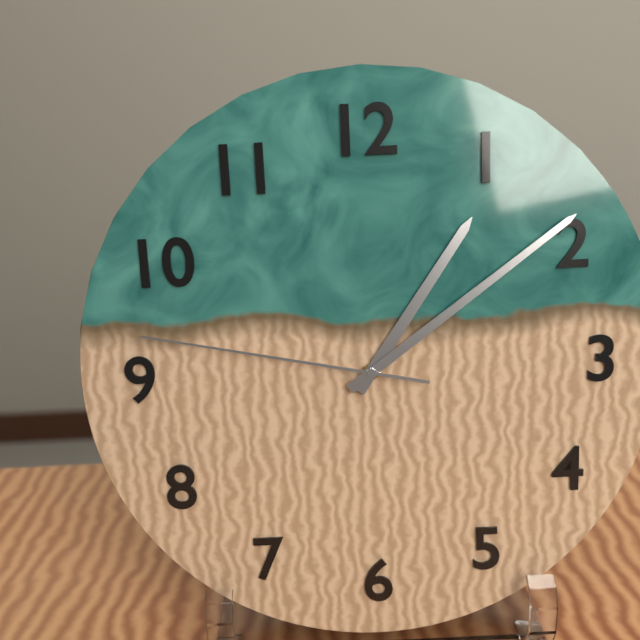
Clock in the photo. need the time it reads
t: 1:09:47
